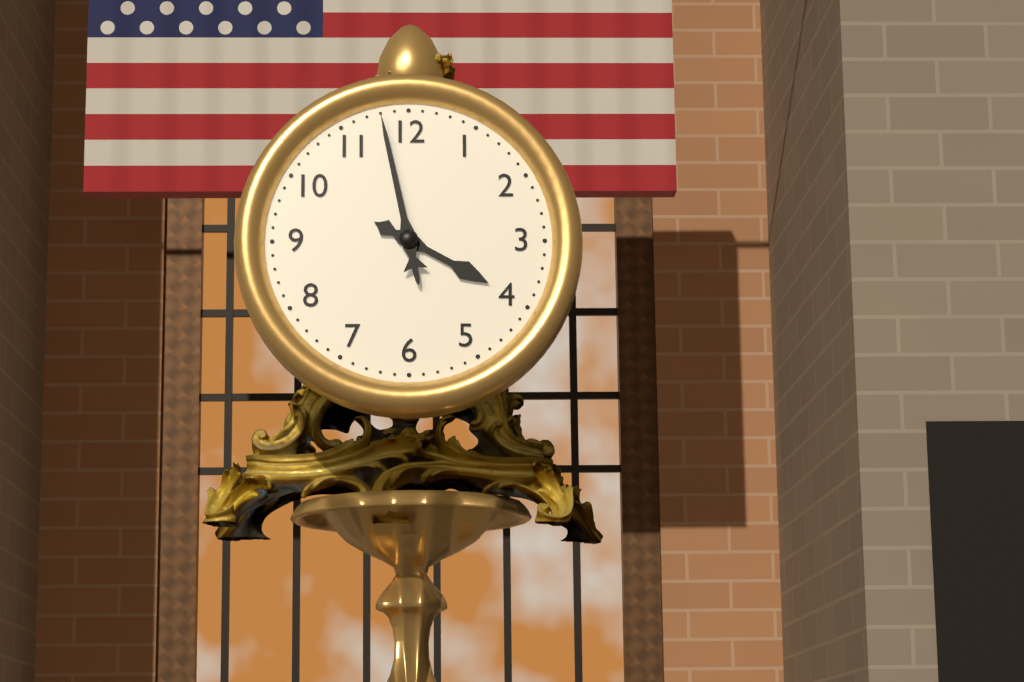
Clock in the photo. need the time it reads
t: 3:58
